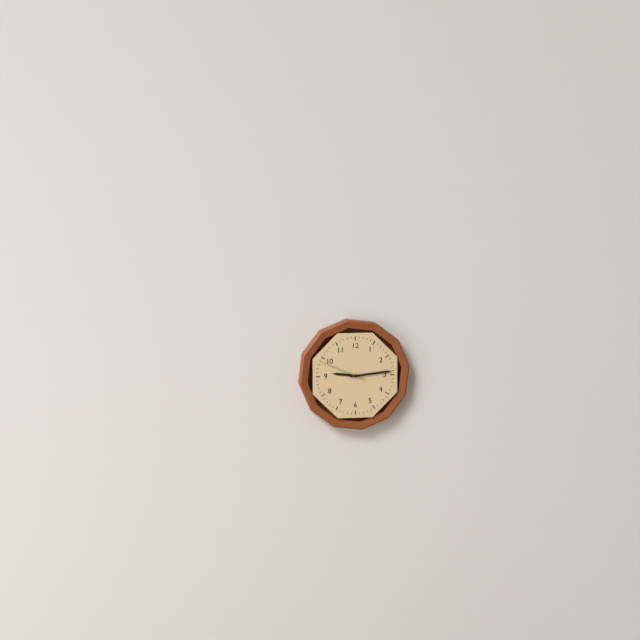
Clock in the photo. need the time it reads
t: 9:14
